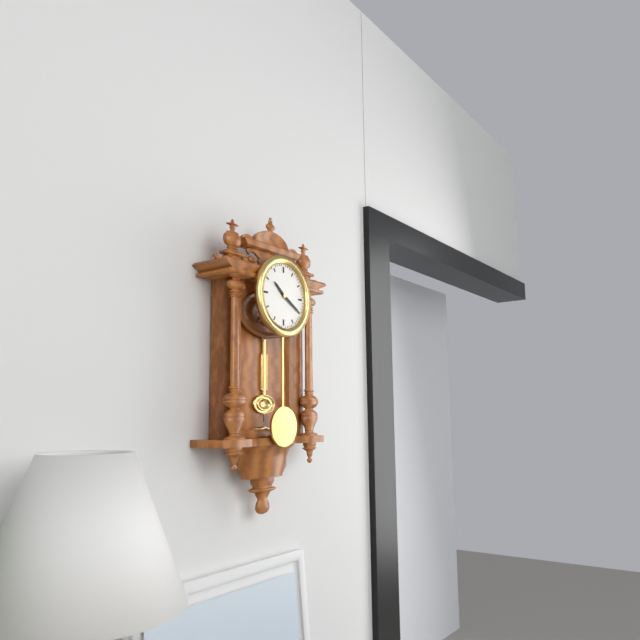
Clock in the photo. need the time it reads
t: 10:20
